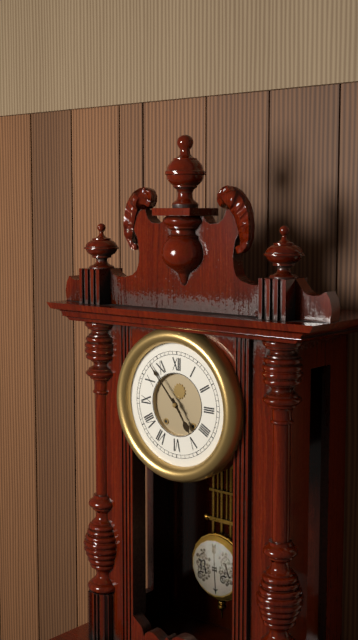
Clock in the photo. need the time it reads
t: 4:53
